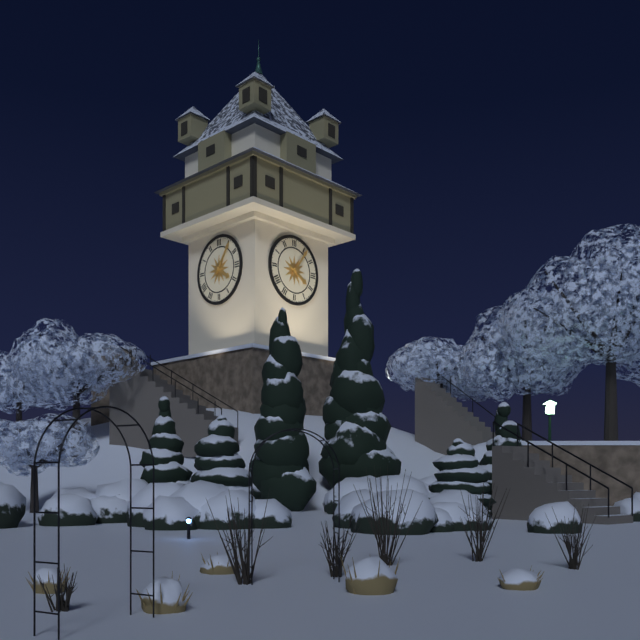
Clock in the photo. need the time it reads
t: 4:06
